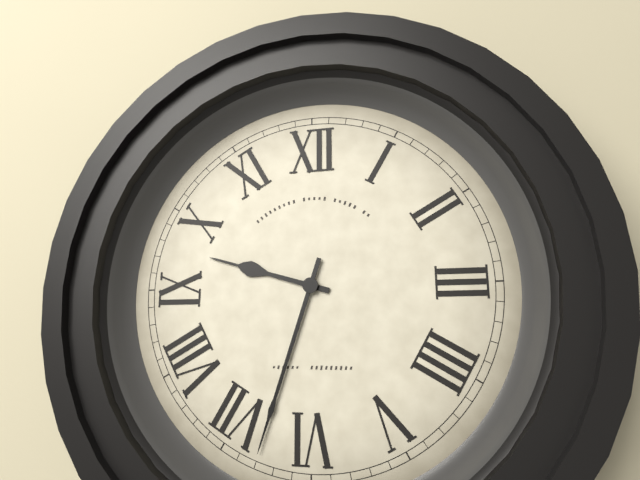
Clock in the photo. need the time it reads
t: 9:33
